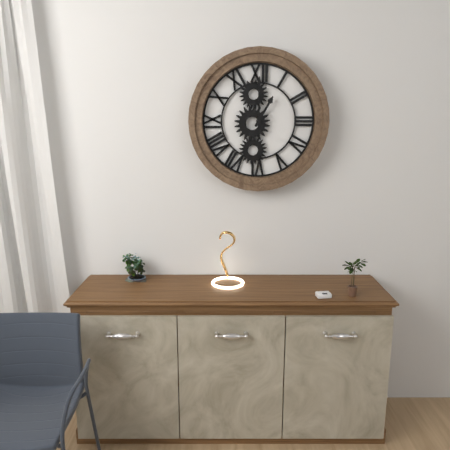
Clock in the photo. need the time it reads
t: 1:00
